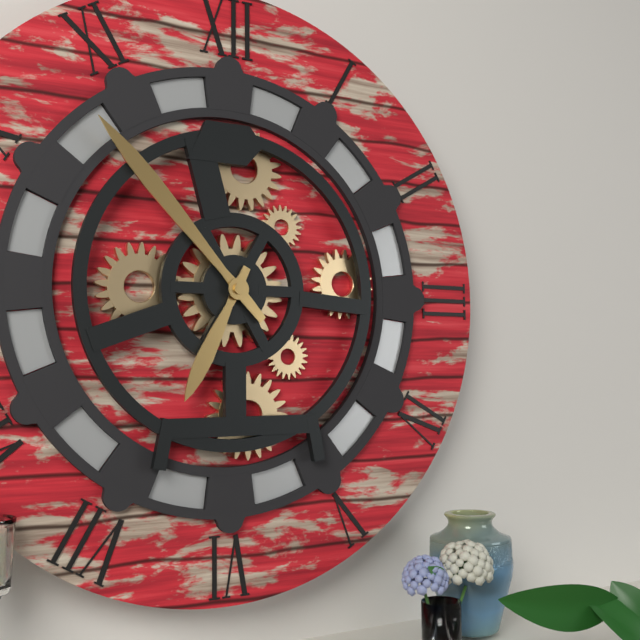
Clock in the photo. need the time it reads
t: 6:53
